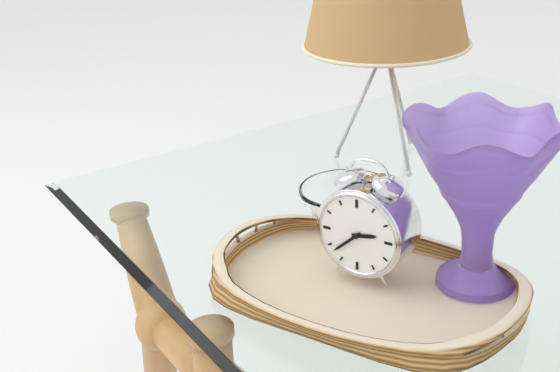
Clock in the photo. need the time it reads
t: 2:38
